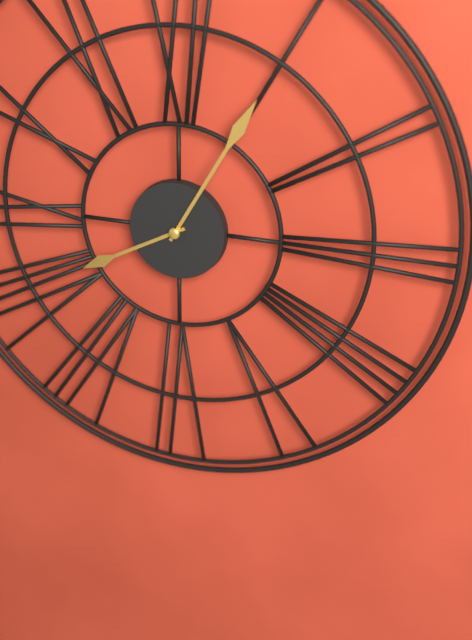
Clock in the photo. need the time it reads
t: 8:05
